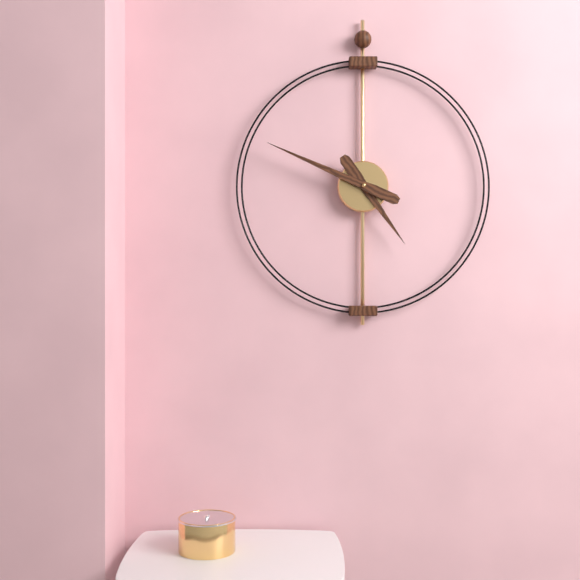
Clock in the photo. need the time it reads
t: 4:49
